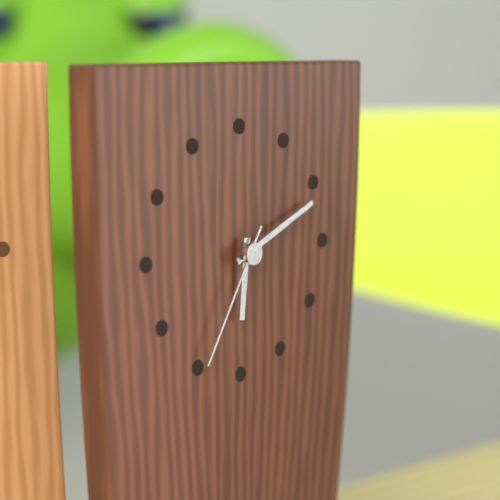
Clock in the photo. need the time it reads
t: 6:11:35
